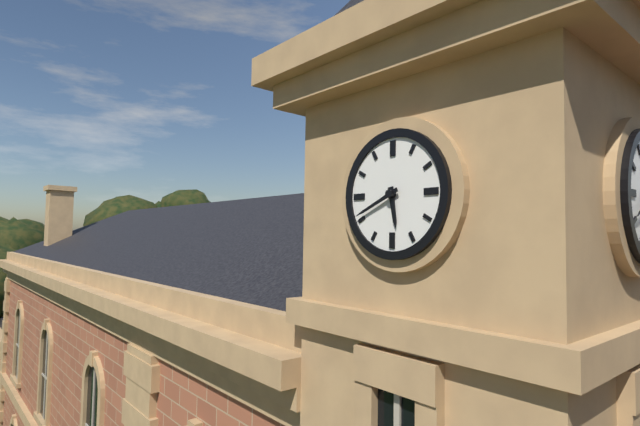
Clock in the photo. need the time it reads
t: 5:41
